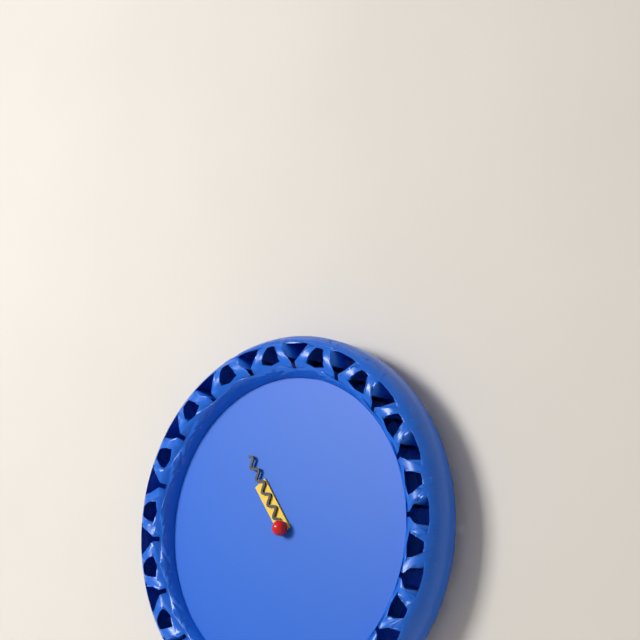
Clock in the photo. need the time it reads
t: 10:55
